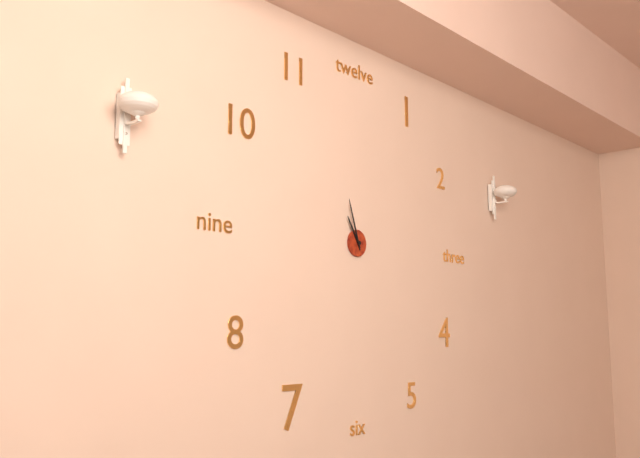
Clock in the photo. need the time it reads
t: 10:57
